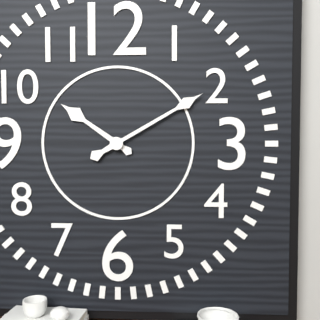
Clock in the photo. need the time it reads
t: 10:10
